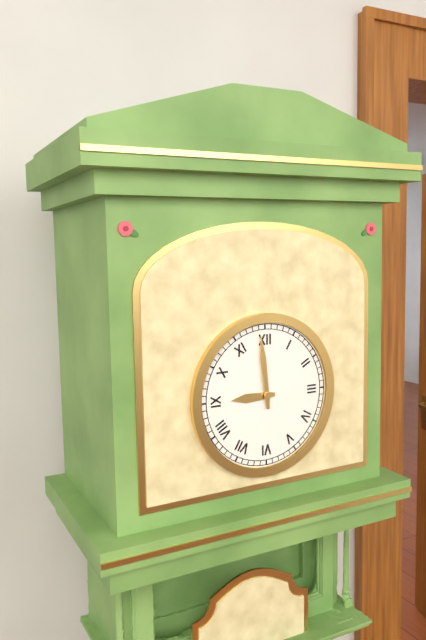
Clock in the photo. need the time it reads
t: 8:59
